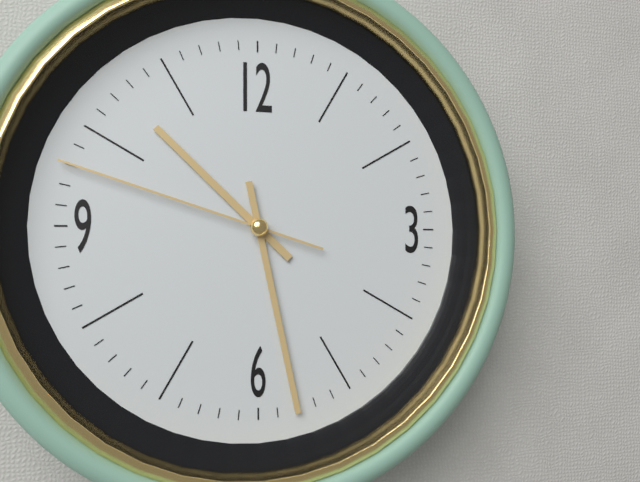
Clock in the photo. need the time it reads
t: 10:28:48
